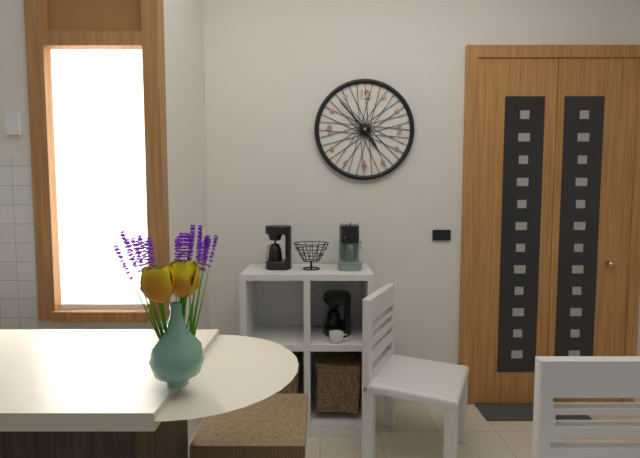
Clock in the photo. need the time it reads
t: 4:53
